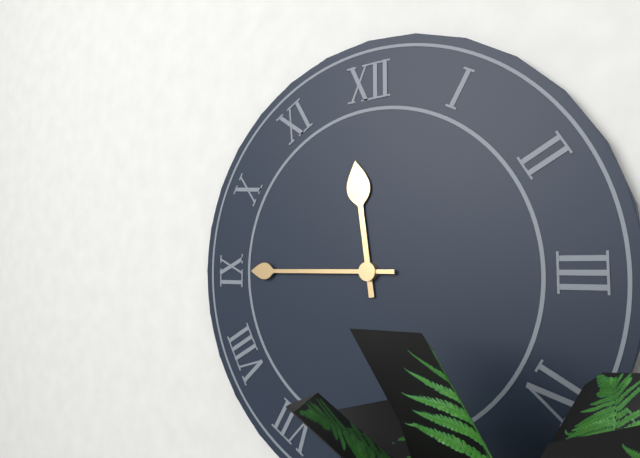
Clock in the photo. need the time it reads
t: 11:45
